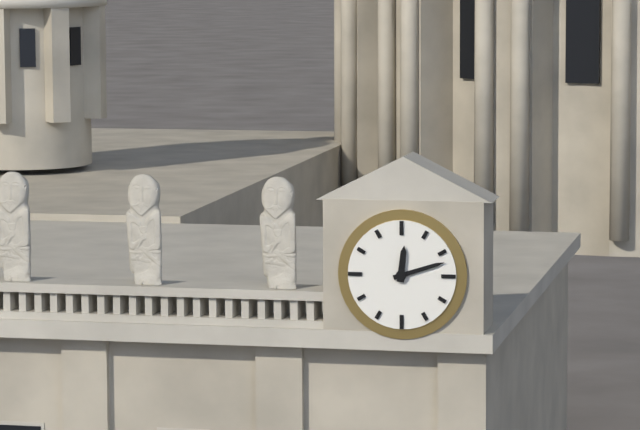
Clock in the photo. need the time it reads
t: 12:12
